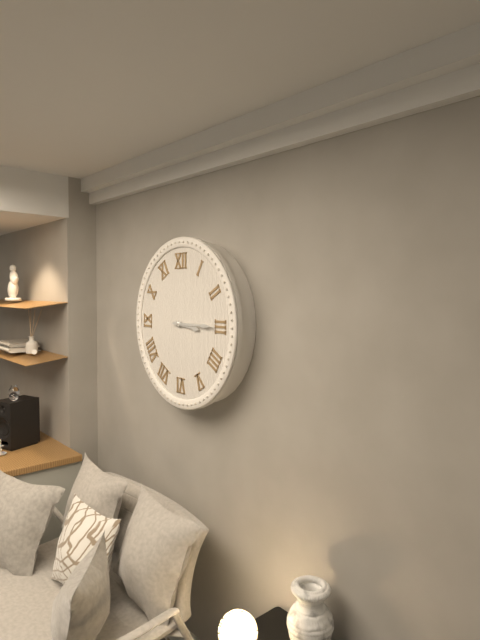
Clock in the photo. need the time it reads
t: 3:15
